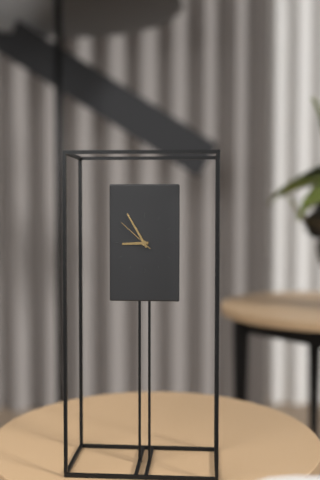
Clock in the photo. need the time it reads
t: 8:55
